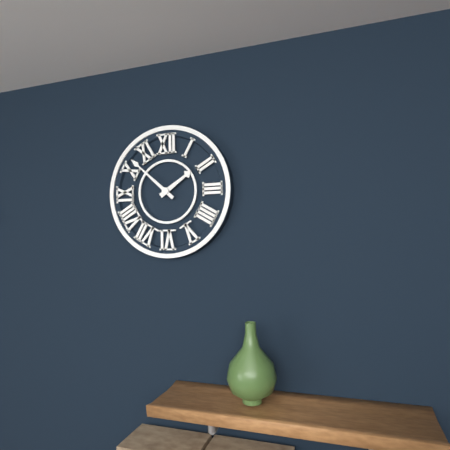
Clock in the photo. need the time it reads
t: 1:52
